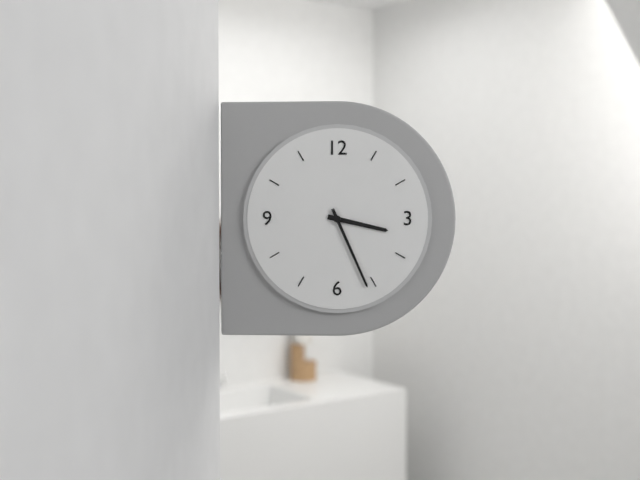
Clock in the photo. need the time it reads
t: 3:26
